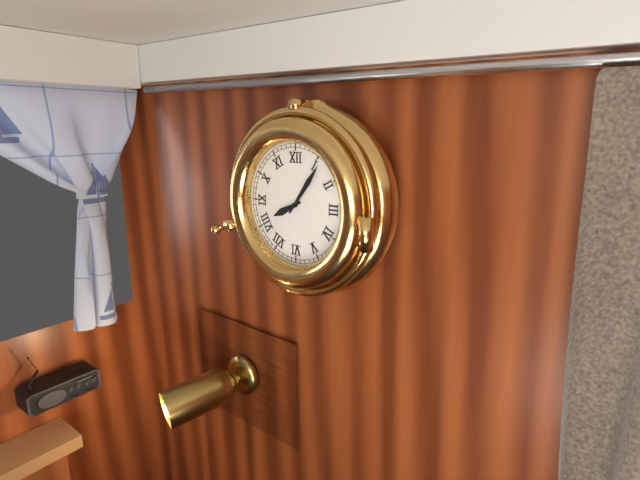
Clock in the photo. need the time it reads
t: 8:06
